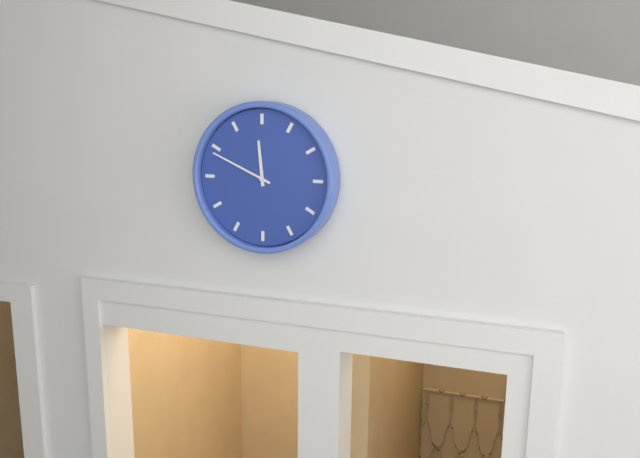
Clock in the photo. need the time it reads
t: 11:49
